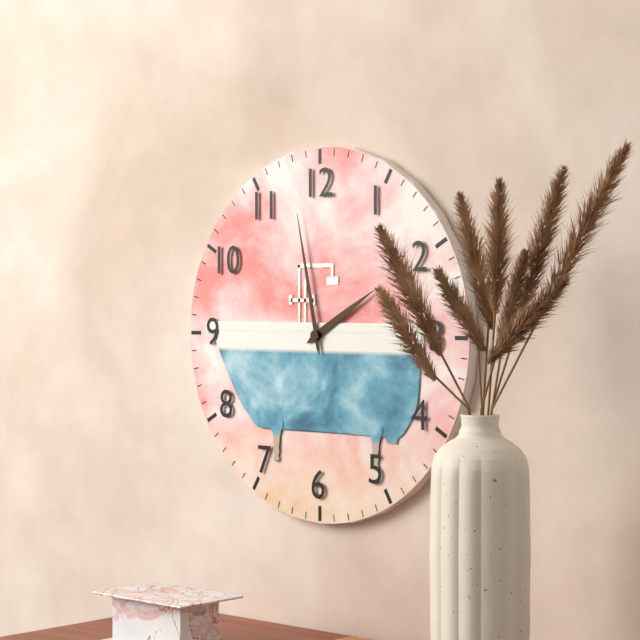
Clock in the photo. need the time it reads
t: 1:58
